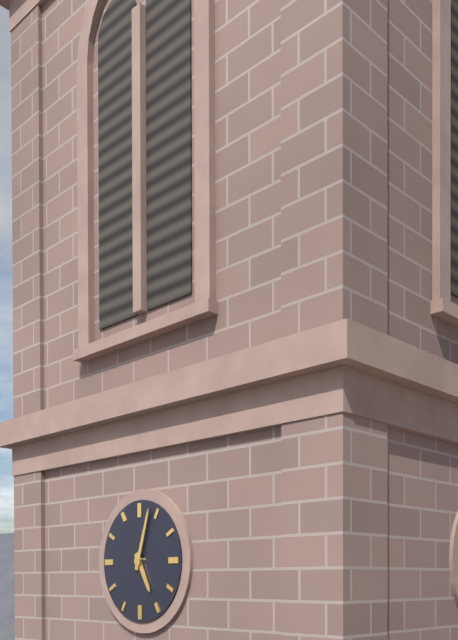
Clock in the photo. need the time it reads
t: 5:03
